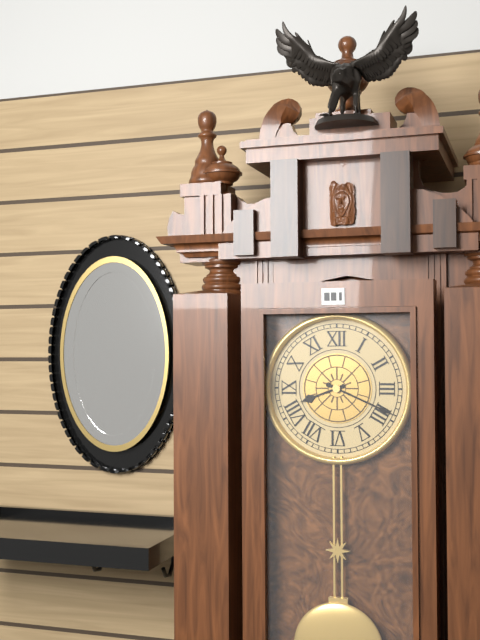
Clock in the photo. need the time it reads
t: 8:19
